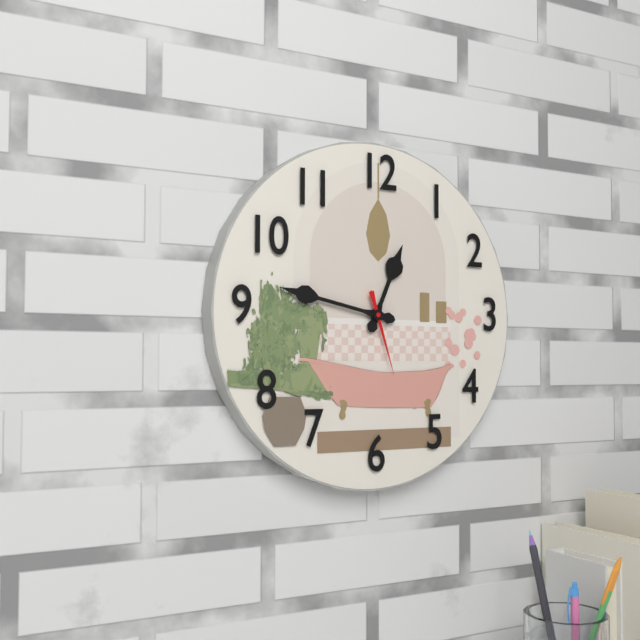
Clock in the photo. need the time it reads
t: 12:47:27
